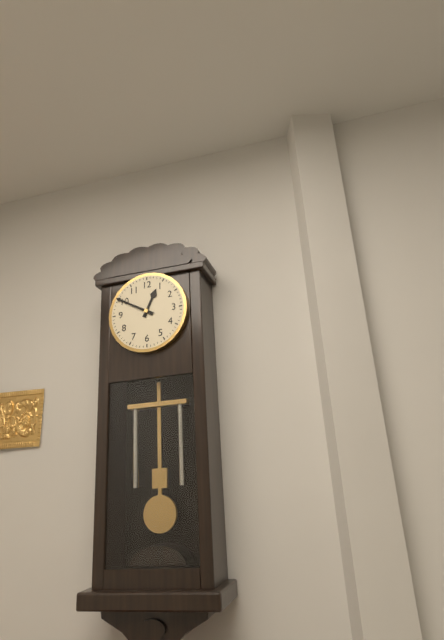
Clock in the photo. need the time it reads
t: 12:50
